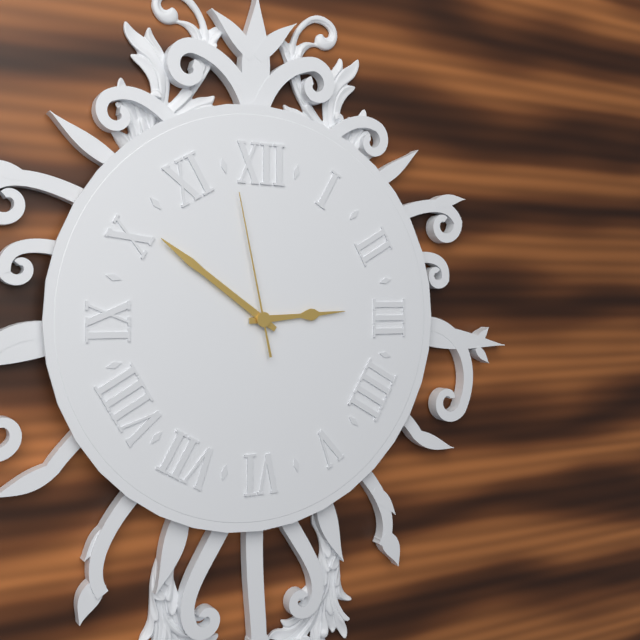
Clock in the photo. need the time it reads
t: 2:51:58
